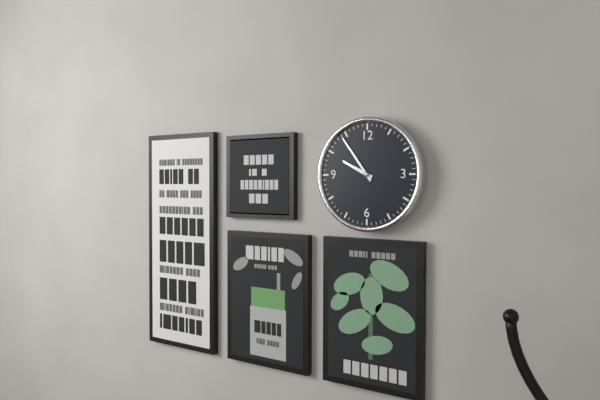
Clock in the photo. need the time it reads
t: 9:54
